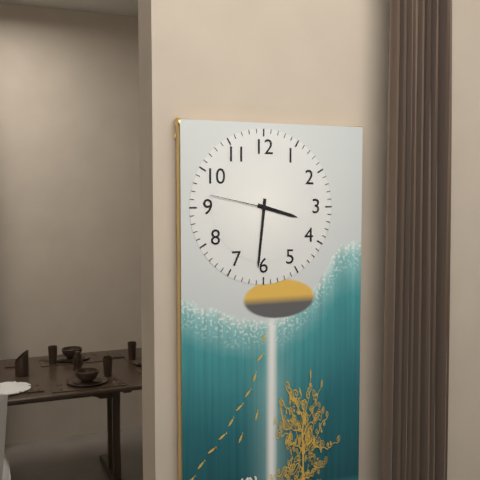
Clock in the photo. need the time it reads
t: 3:31:47
